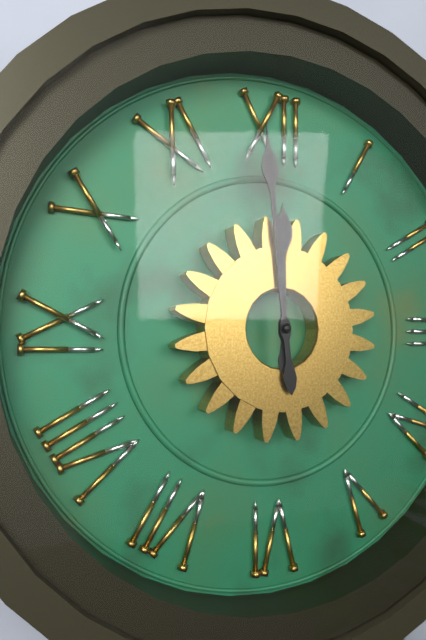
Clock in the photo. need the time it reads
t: 11:59
